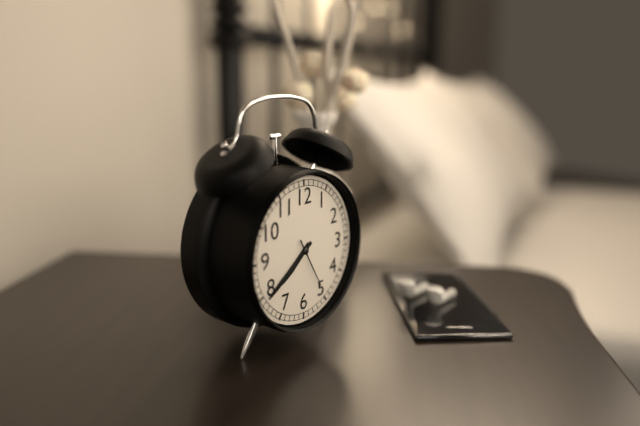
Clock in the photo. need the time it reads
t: 7:39
